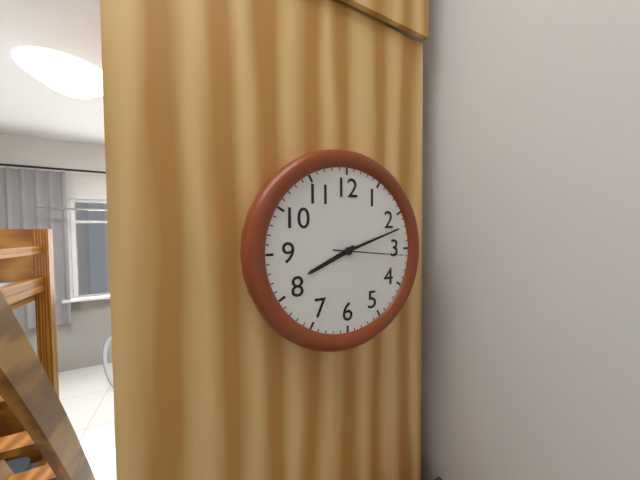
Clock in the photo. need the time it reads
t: 8:12:16
